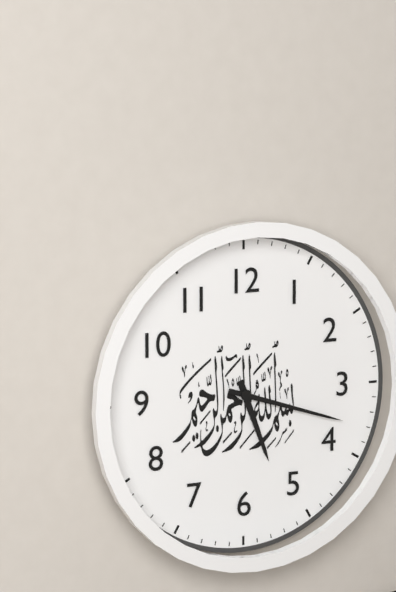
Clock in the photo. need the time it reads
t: 5:18
